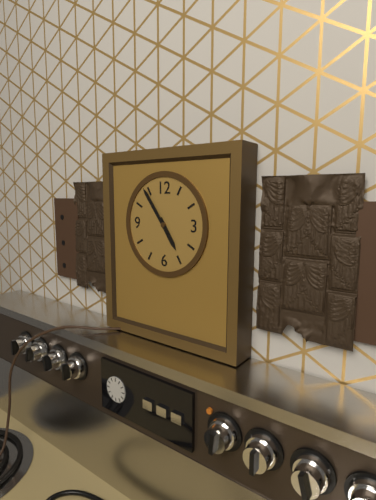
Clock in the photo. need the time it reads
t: 4:54
